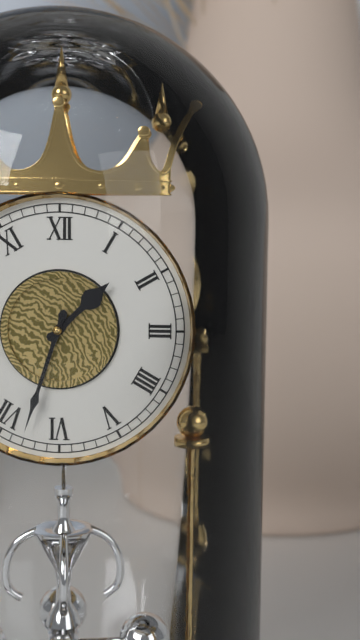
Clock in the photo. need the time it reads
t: 1:33
